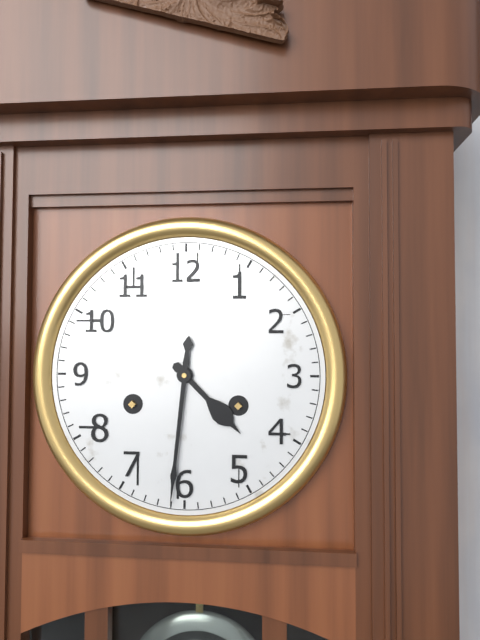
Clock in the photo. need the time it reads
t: 4:31
